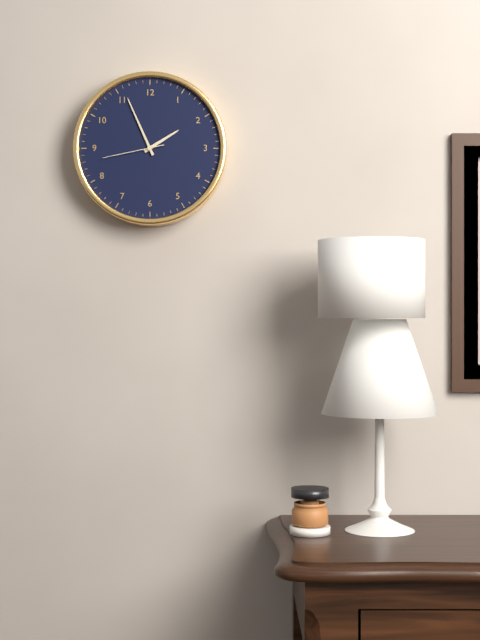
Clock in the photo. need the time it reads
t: 1:56:43
